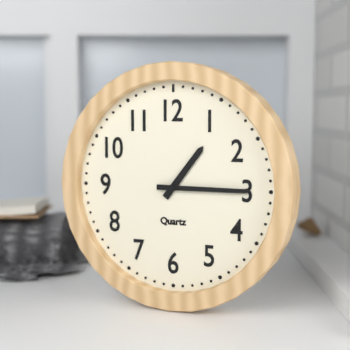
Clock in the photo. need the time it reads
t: 1:15
